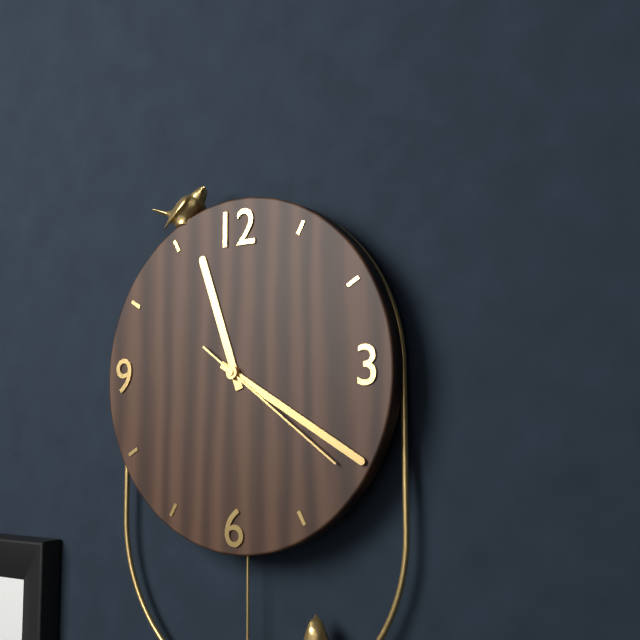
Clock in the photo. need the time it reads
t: 11:20:21
